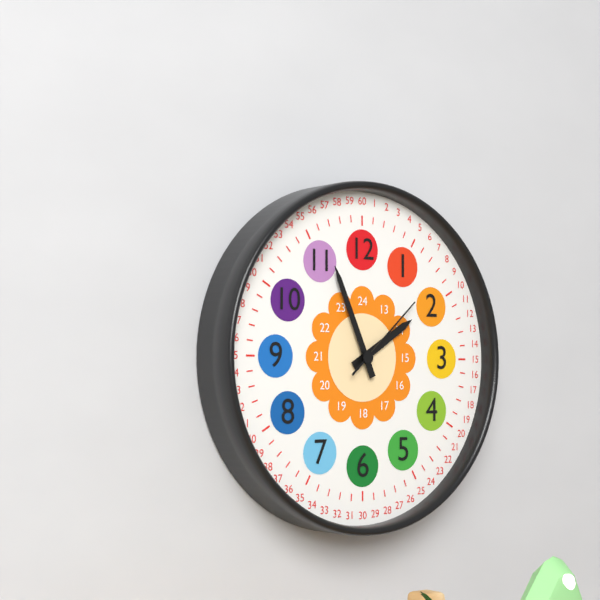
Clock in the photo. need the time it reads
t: 1:56:08
